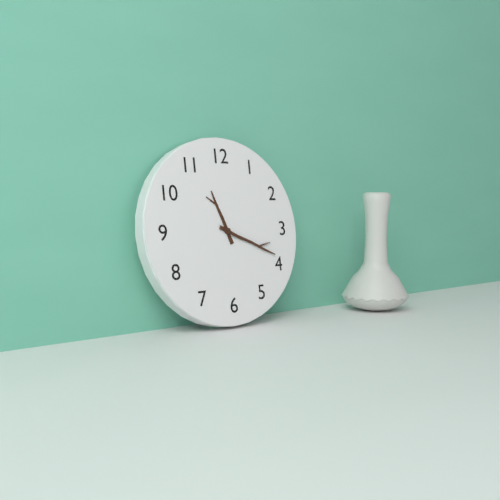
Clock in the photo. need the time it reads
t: 11:19
